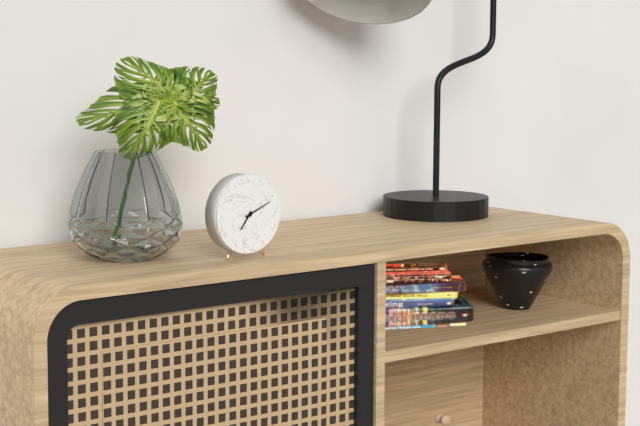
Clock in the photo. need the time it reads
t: 7:11
